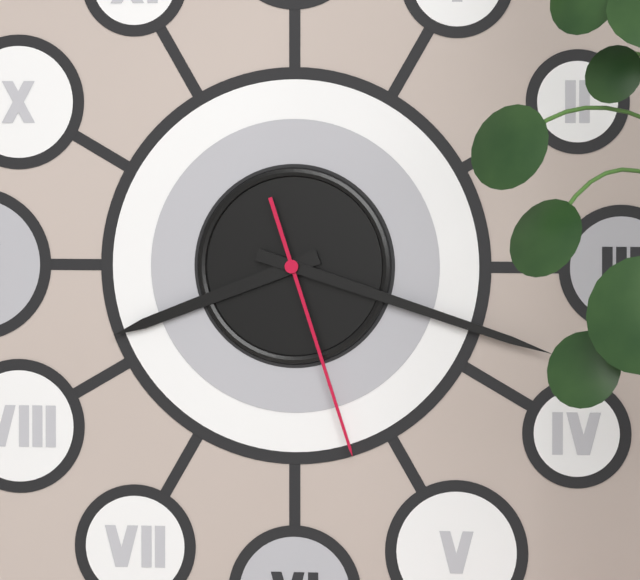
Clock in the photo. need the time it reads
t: 8:18:27
